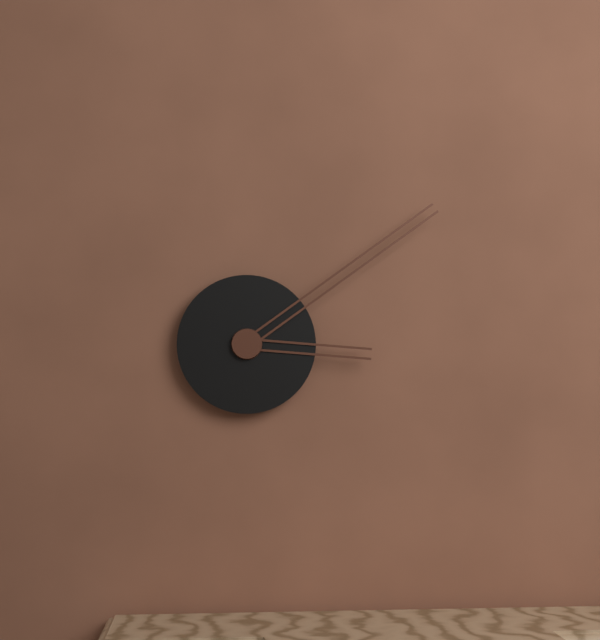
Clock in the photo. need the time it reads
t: 3:09
